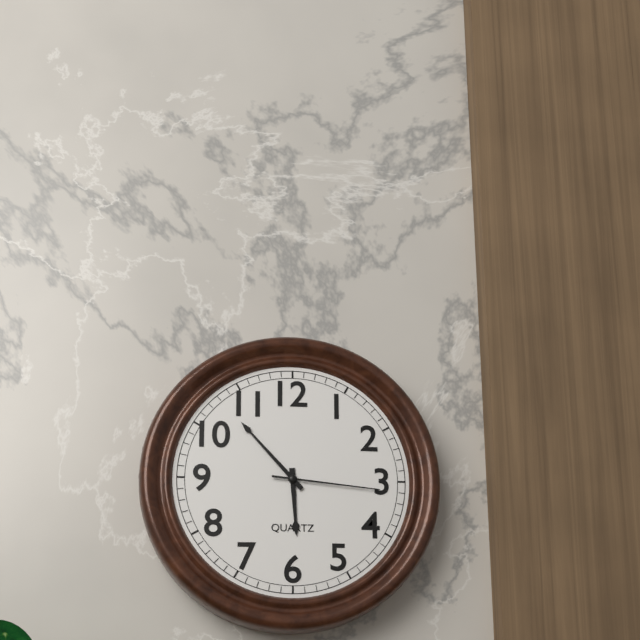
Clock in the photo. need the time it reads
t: 5:53:16
